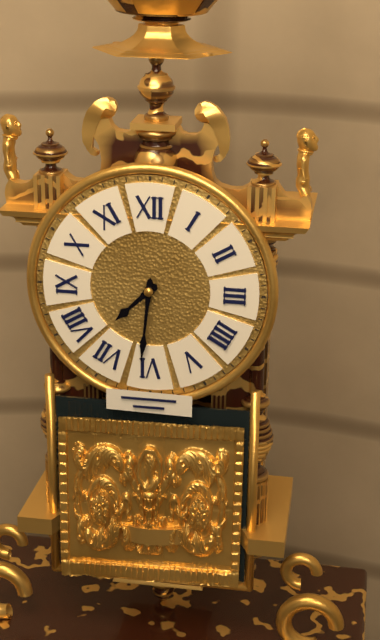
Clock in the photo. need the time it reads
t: 7:31
